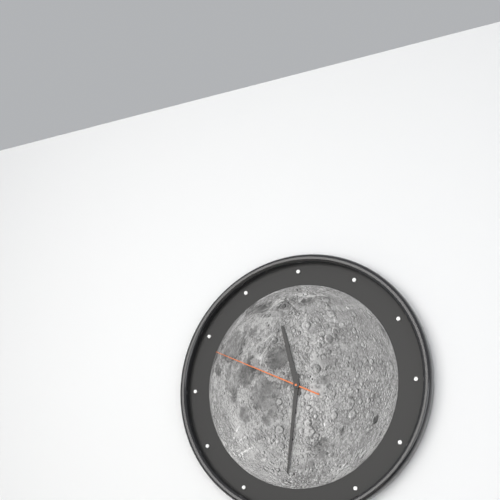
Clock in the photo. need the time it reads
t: 11:31:49
